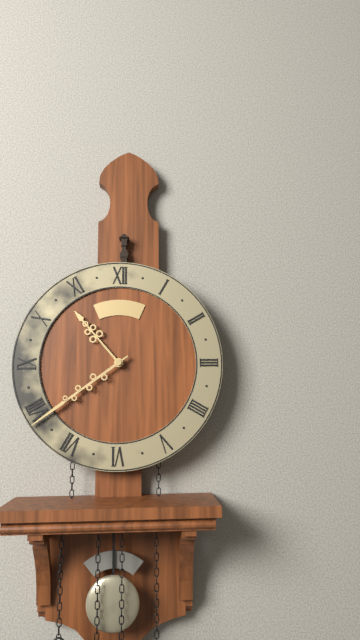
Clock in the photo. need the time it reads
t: 10:39
